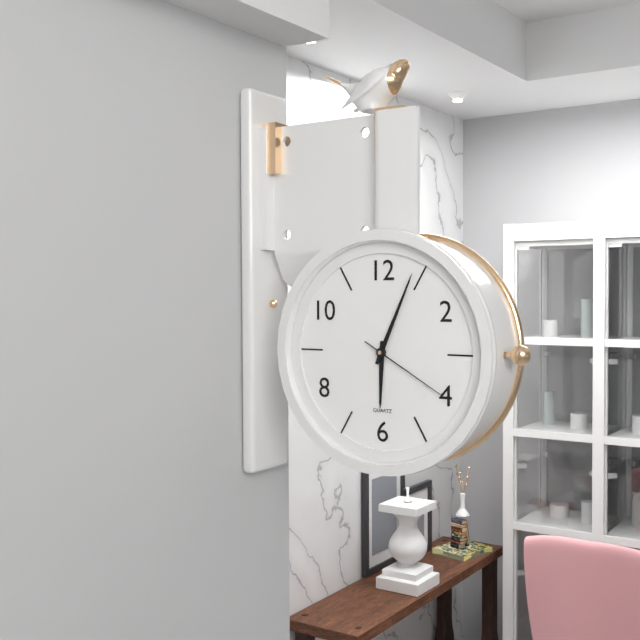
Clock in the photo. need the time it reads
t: 6:04:20
